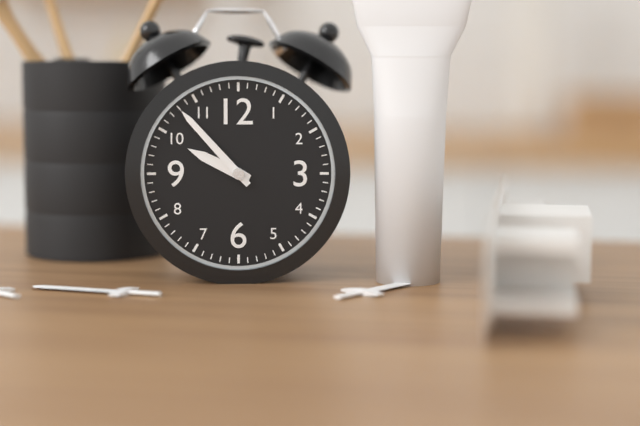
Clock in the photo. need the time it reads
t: 9:53
